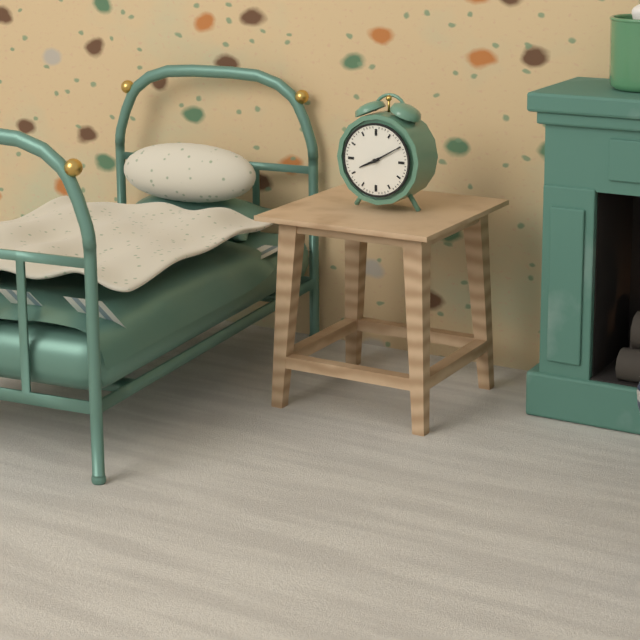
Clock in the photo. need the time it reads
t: 8:10
